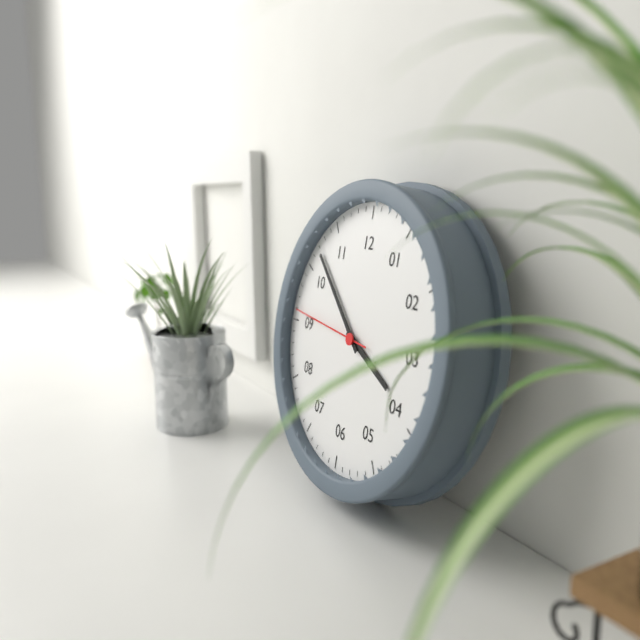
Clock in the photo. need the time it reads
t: 3:52:46
